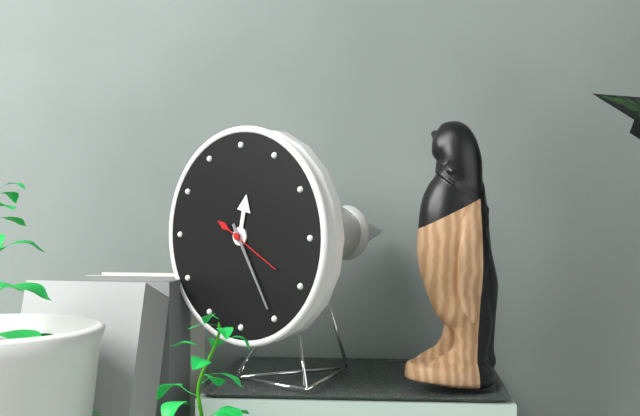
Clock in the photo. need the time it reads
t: 12:25:20
